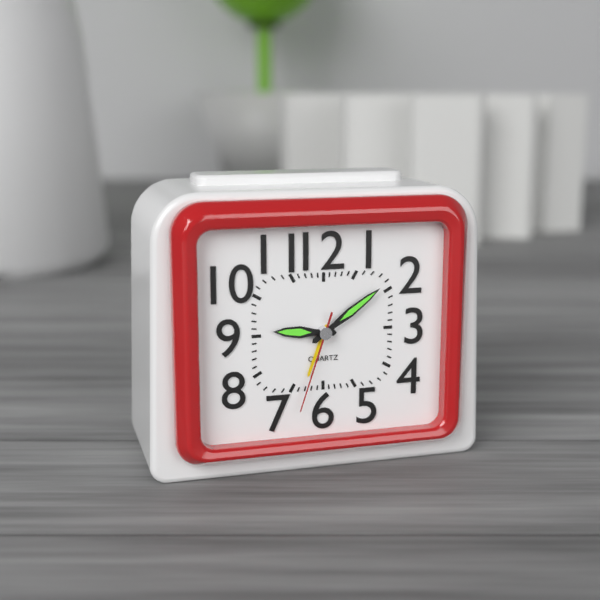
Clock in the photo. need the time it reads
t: 9:09:33
